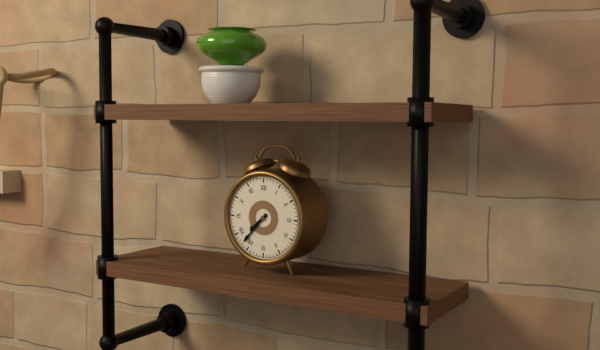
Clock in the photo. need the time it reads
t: 7:37
